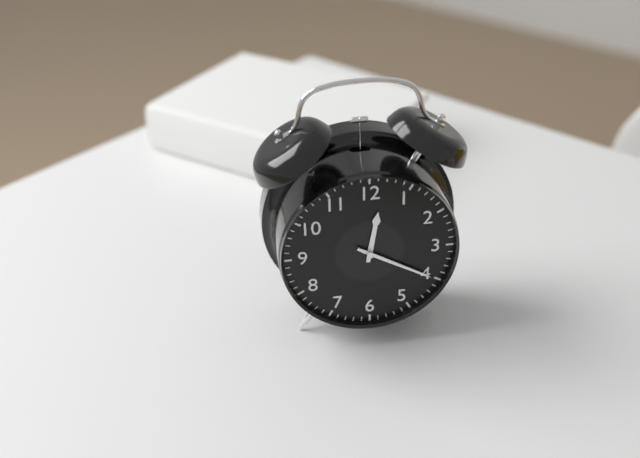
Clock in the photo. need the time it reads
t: 12:20
